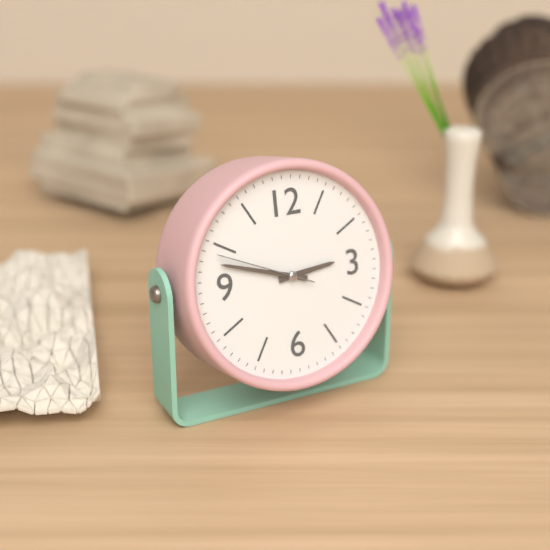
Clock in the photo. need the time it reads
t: 2:48:49
